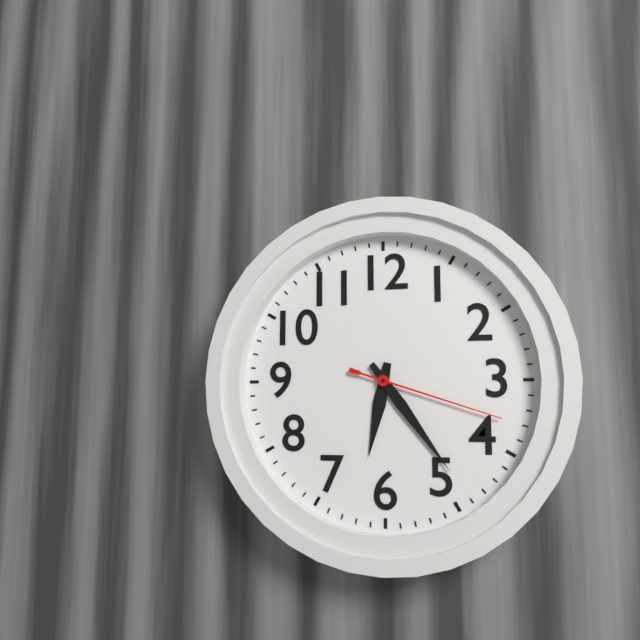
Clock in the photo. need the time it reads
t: 6:24:18
